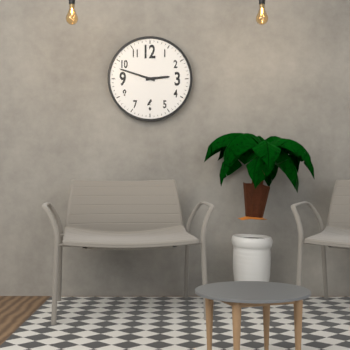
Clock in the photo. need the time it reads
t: 2:48
